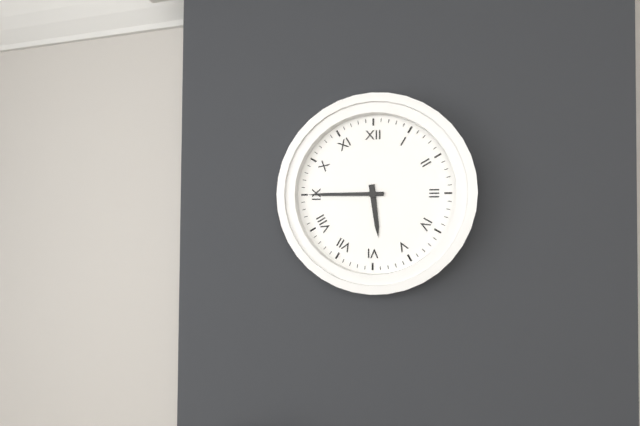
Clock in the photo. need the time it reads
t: 5:45
